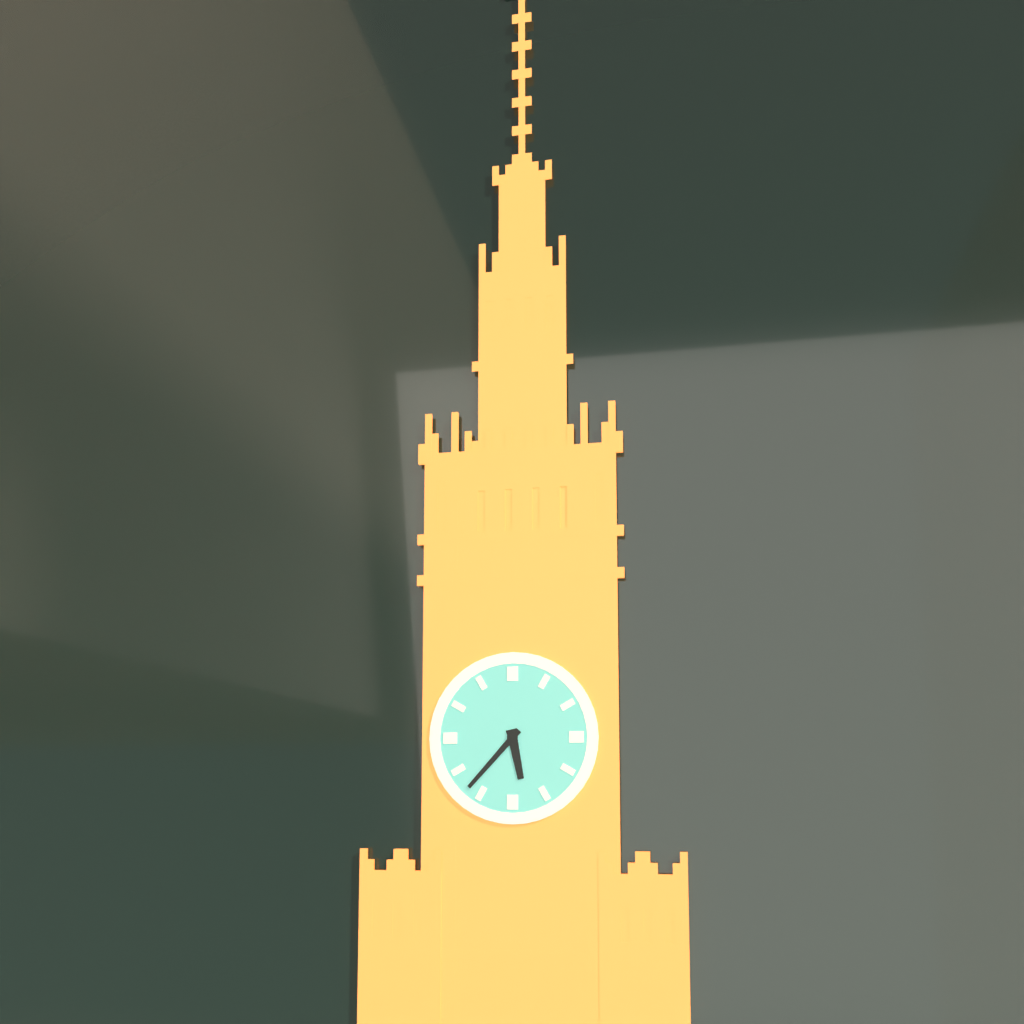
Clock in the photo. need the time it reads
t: 5:37
